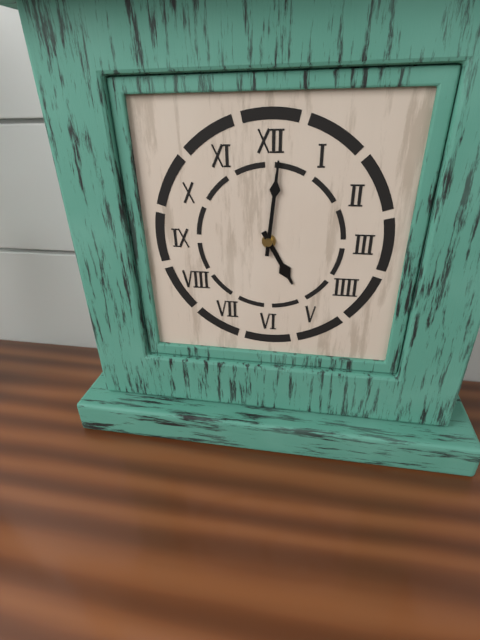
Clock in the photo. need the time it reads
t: 5:01
